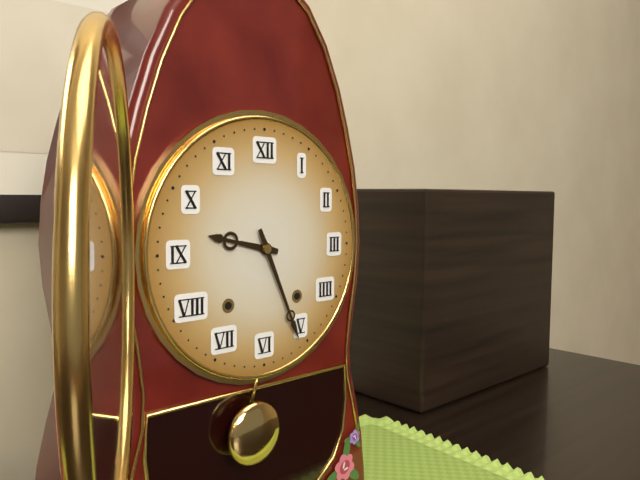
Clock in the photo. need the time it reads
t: 9:26
